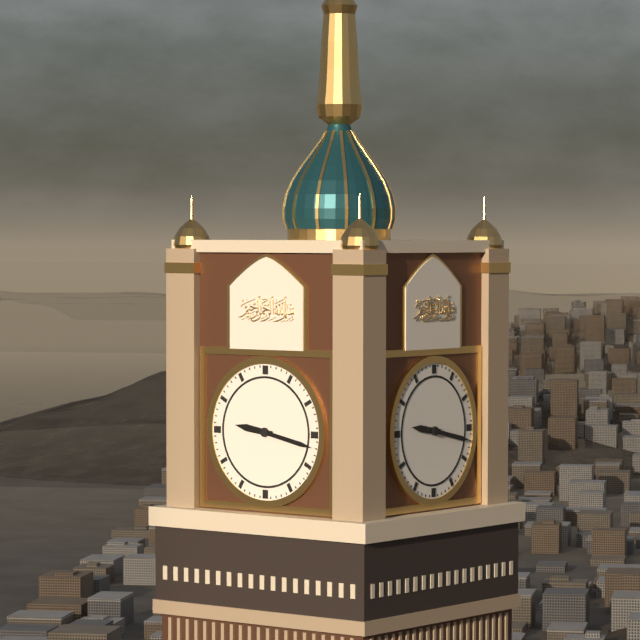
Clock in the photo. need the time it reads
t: 9:17
